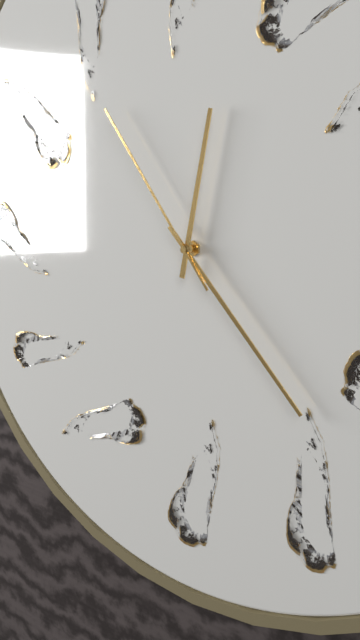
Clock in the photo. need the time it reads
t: 12:23:54
